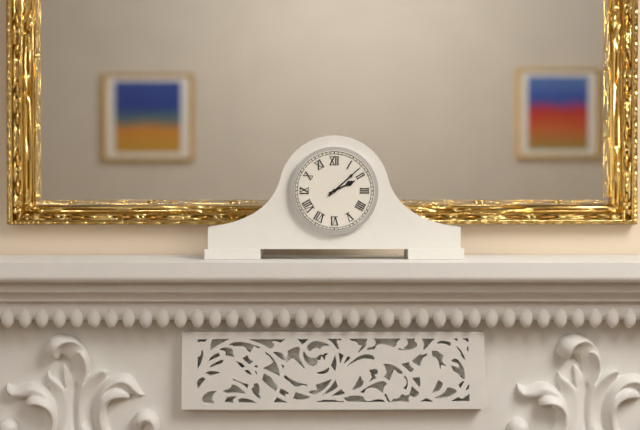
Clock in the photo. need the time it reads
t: 2:08
